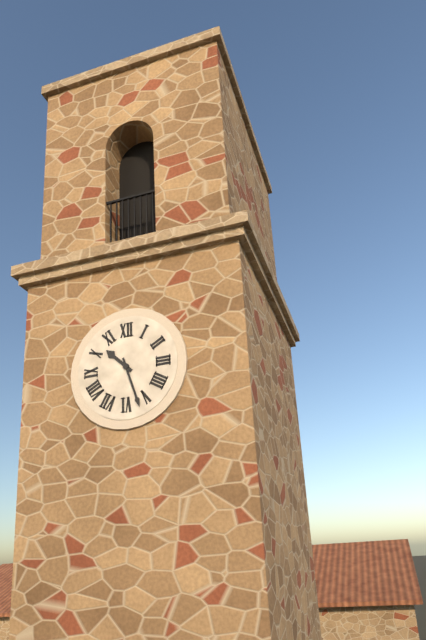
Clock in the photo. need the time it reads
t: 10:27
